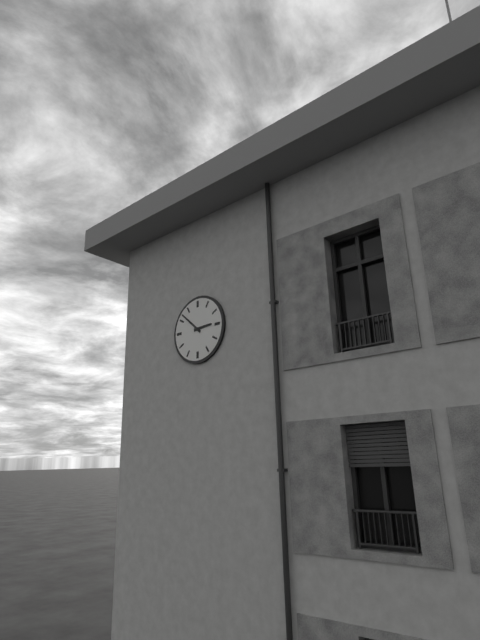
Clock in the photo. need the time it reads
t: 2:52
